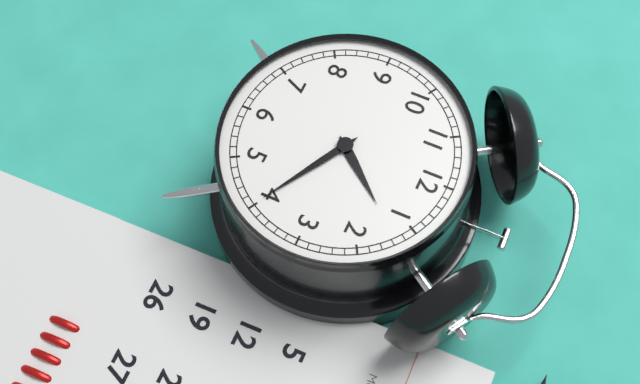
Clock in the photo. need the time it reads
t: 1:20
